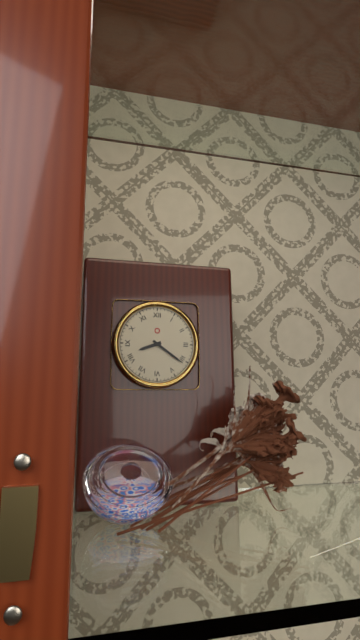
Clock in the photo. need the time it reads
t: 8:21
